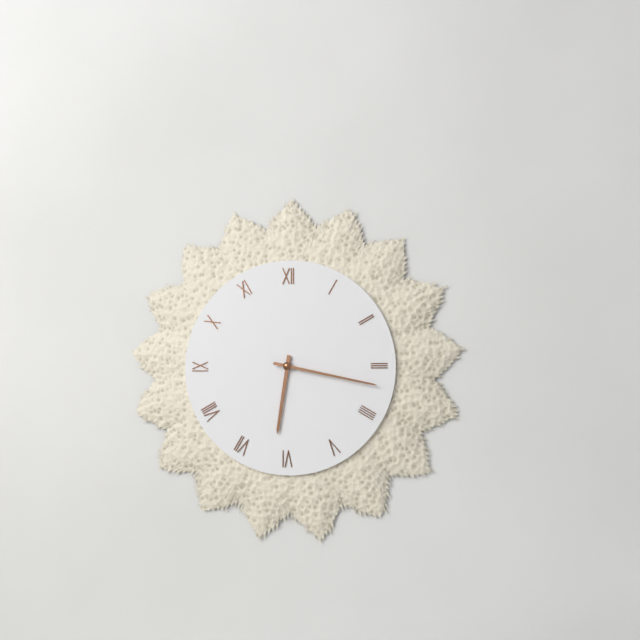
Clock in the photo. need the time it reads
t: 6:17
